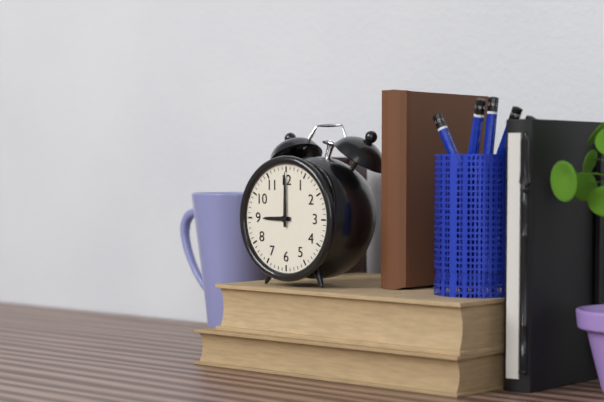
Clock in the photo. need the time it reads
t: 9:00
